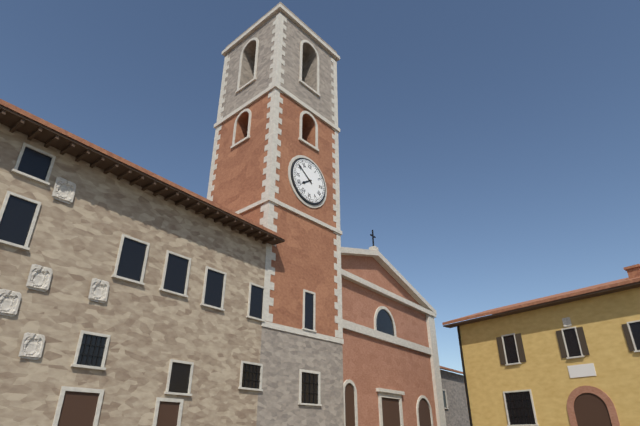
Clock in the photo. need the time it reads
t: 7:51
